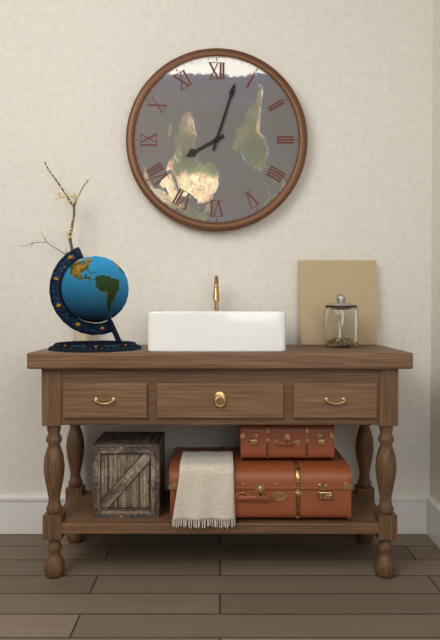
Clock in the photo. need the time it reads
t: 8:03
